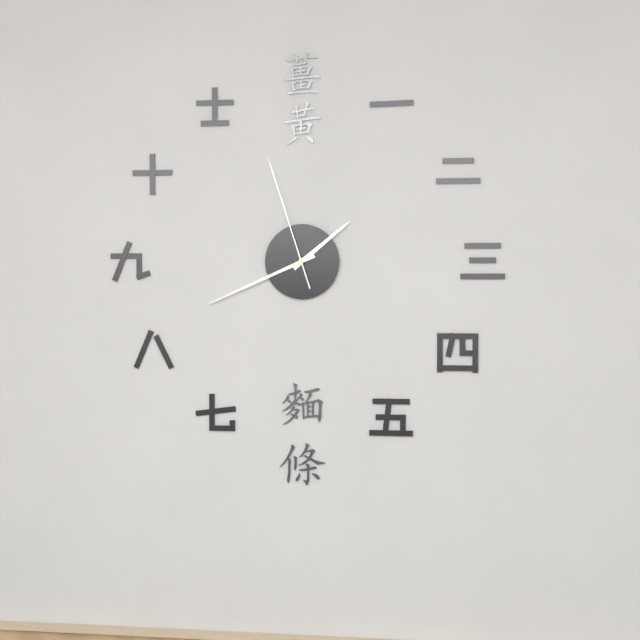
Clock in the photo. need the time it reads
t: 1:41:57
